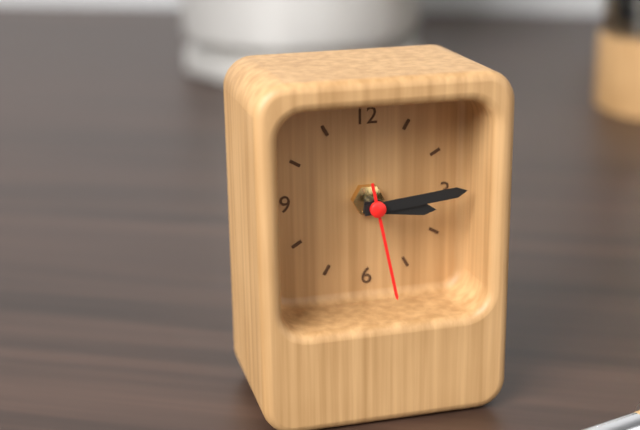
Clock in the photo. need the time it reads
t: 3:14:28
